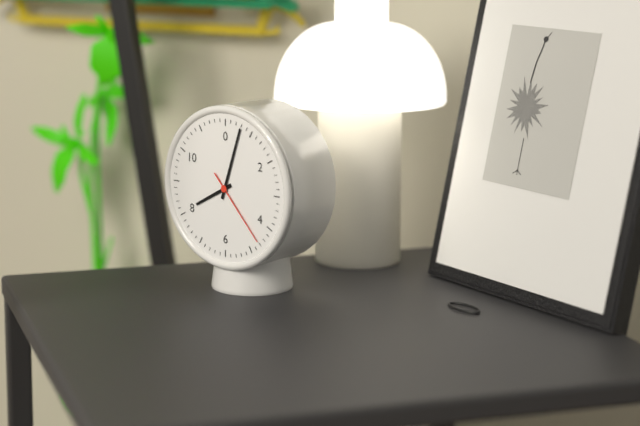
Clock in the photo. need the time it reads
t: 8:03:23
